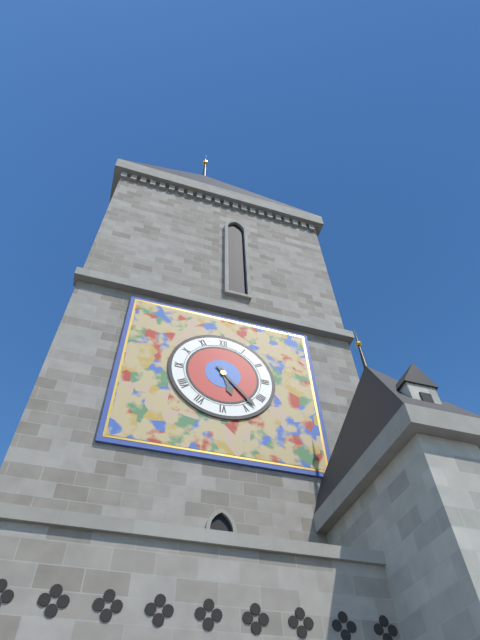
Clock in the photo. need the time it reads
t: 5:23
